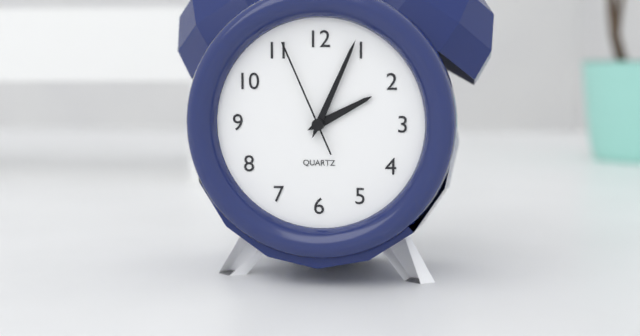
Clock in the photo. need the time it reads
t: 2:04:56
